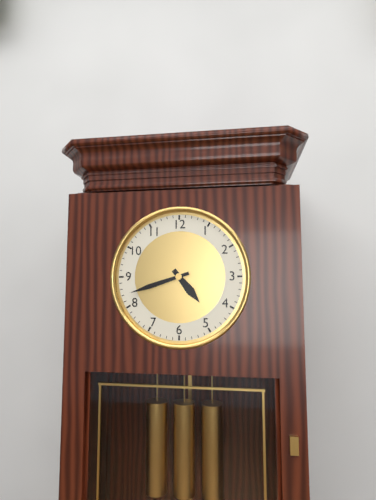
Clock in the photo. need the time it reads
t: 4:42
